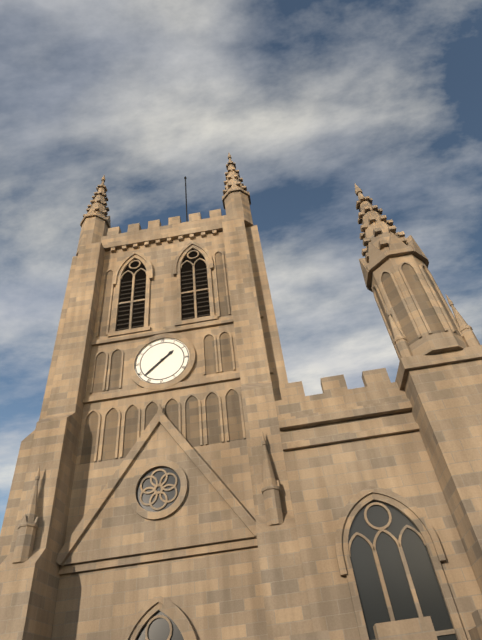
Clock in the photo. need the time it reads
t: 1:38
